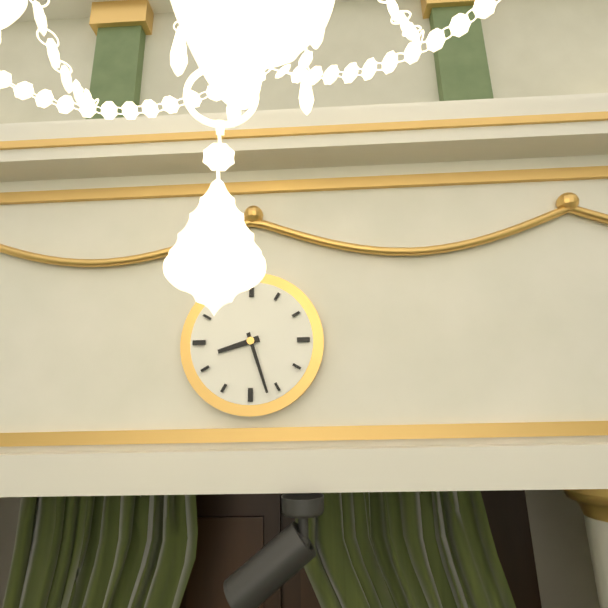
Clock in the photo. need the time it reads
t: 8:27
